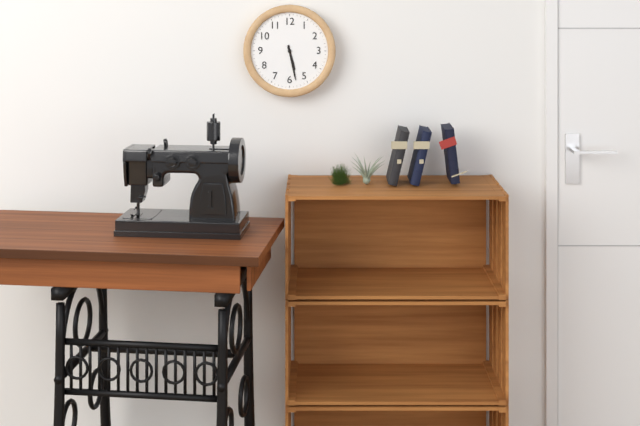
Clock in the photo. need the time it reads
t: 5:28
